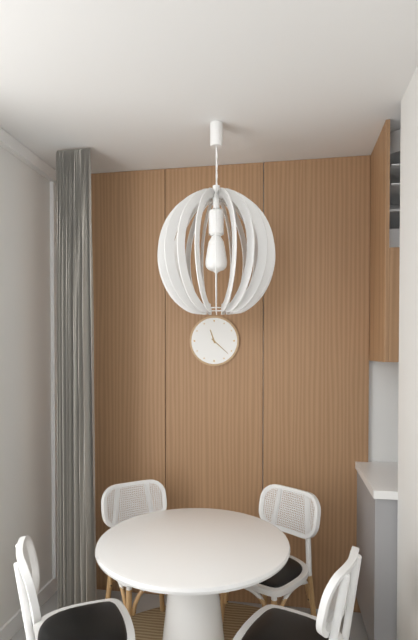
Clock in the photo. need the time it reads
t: 11:22
